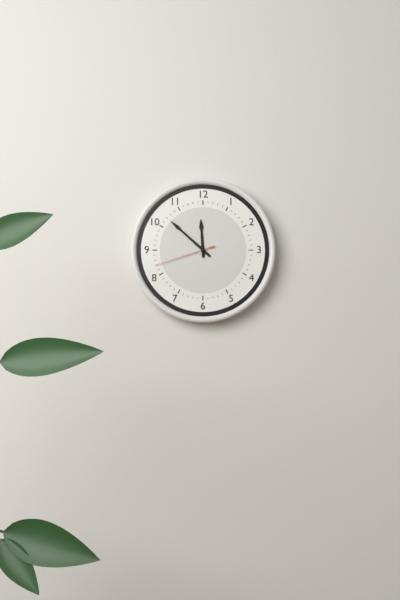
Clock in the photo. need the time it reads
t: 11:52:42
